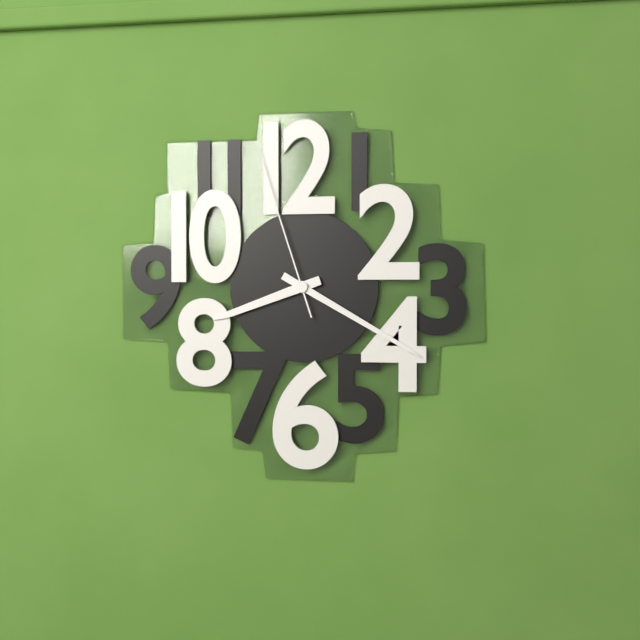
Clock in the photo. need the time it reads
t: 8:20:57
